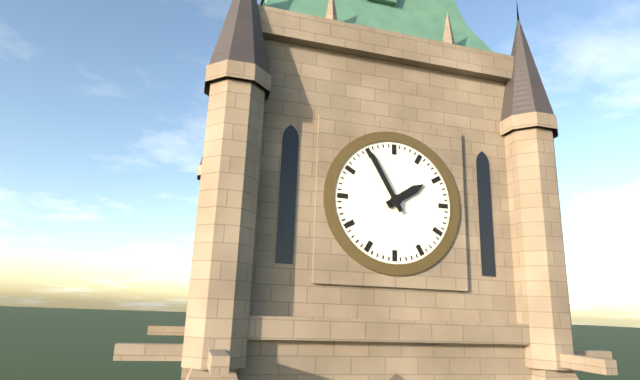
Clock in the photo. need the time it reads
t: 1:55
